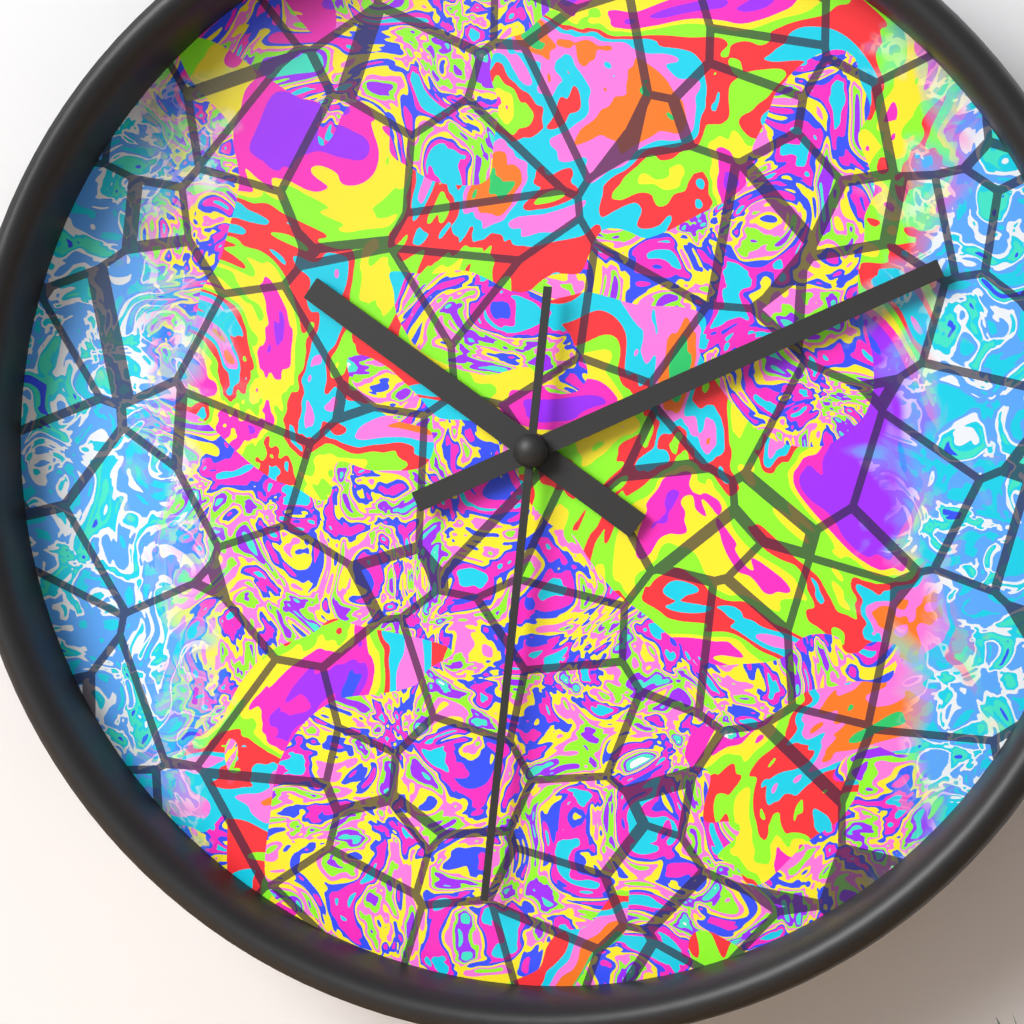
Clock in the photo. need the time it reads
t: 10:11:31
